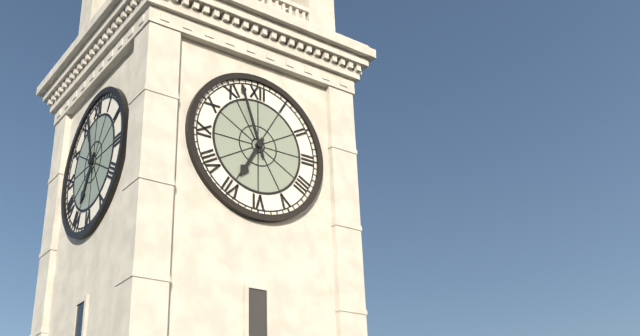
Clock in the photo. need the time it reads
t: 6:57
